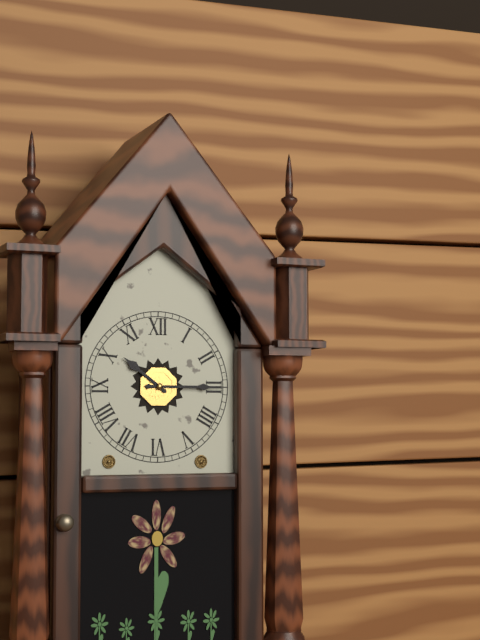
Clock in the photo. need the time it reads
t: 10:15
